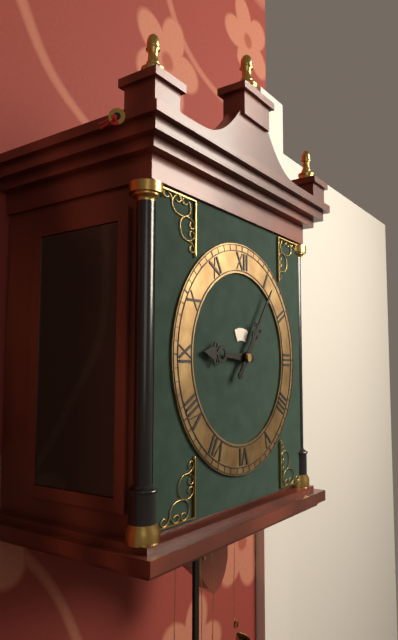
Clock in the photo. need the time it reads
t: 9:06
